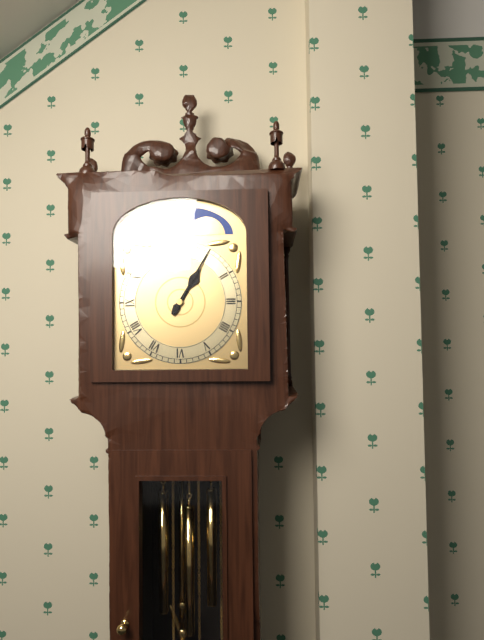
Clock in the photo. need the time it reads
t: 1:05
